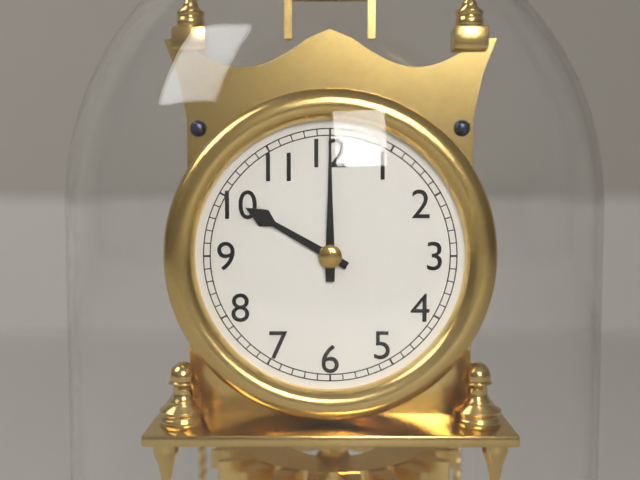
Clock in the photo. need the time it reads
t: 10:00
